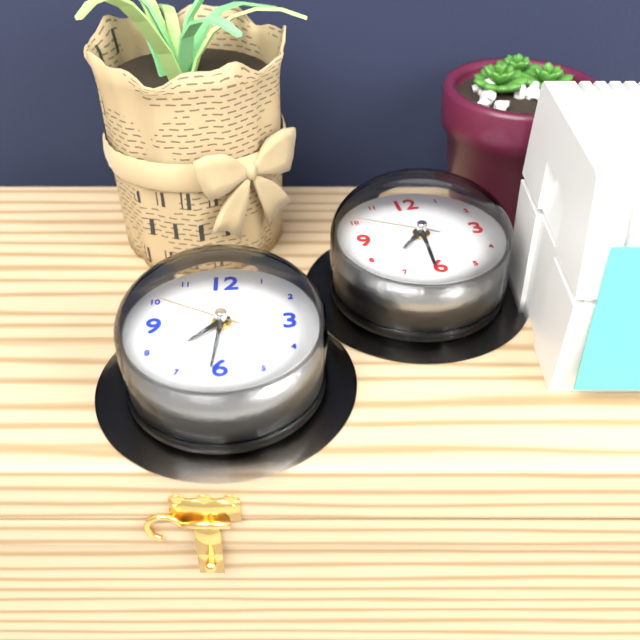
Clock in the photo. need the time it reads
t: 7:31:50
